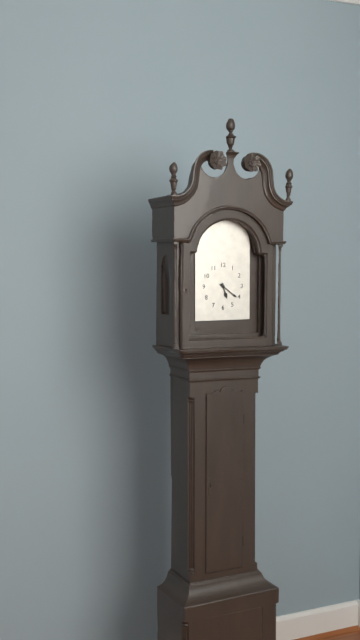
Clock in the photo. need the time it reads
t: 5:21
